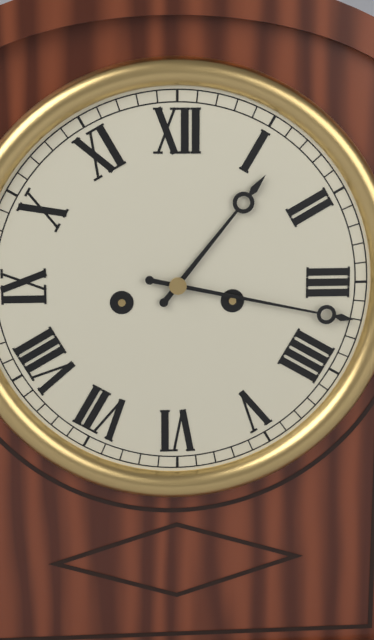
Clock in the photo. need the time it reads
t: 1:17
